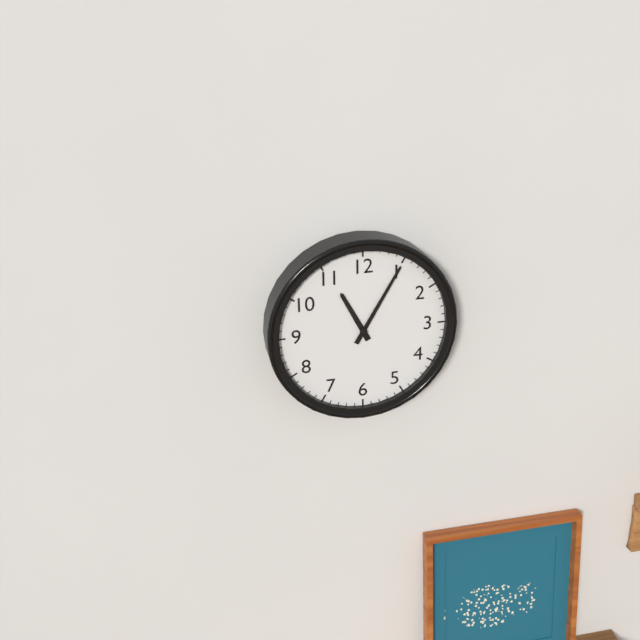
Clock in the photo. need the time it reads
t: 11:05
